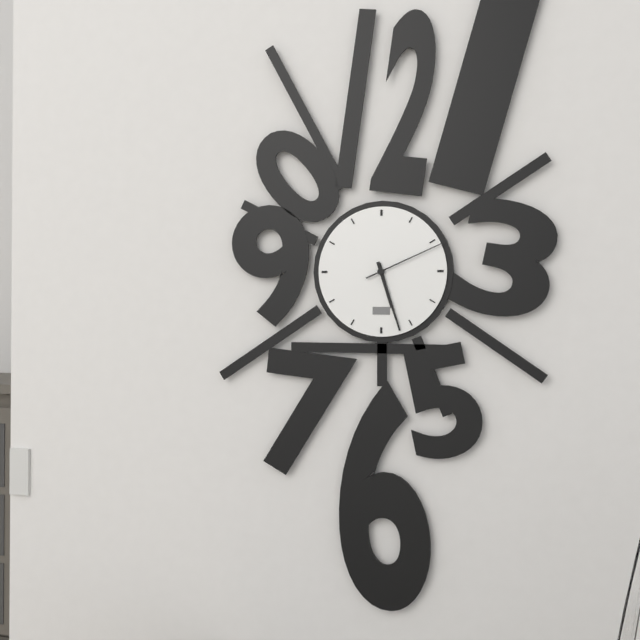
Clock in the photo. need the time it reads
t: 5:27:11
